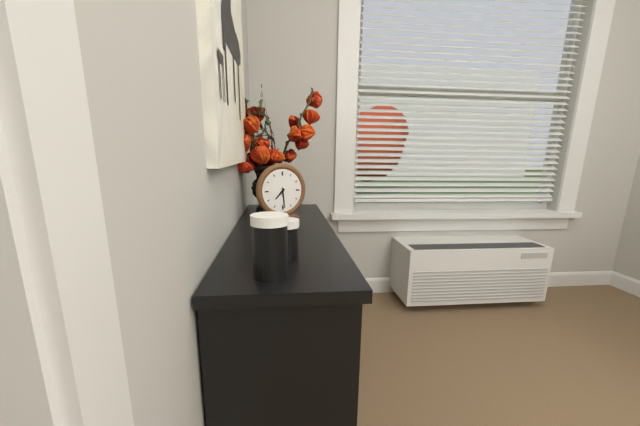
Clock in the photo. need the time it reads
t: 7:29
